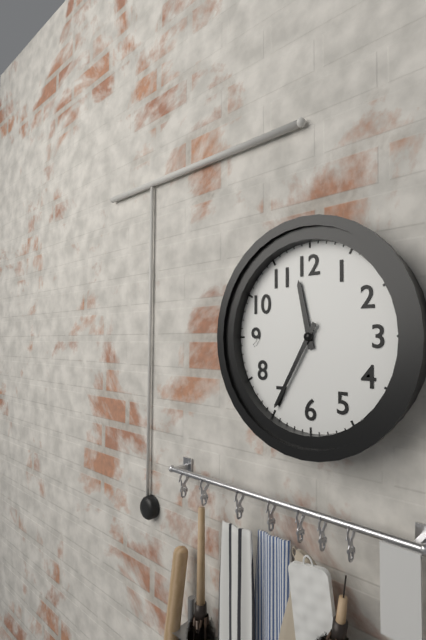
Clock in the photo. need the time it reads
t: 11:35
